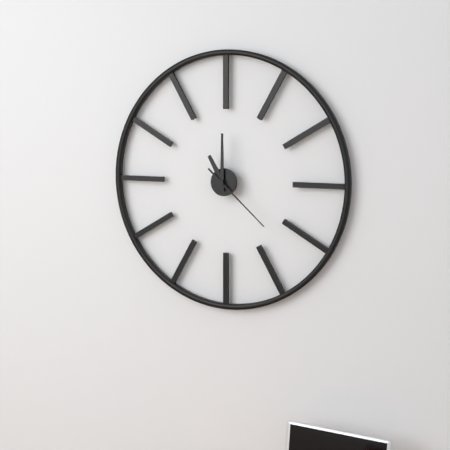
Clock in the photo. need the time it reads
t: 11:00:22
